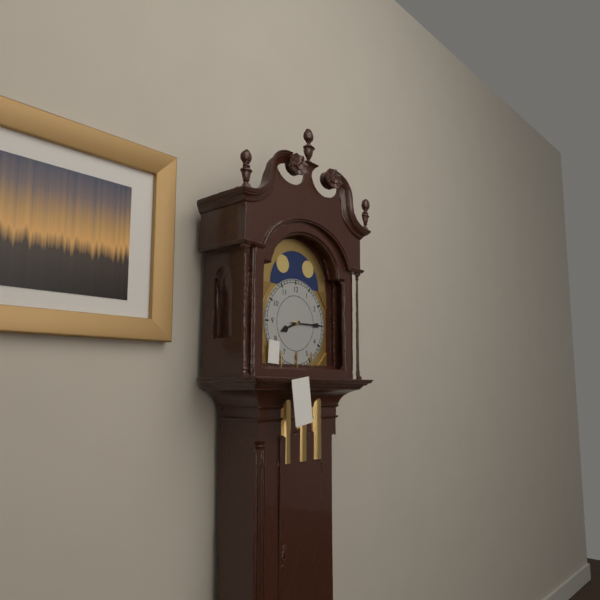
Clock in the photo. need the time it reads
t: 8:15
